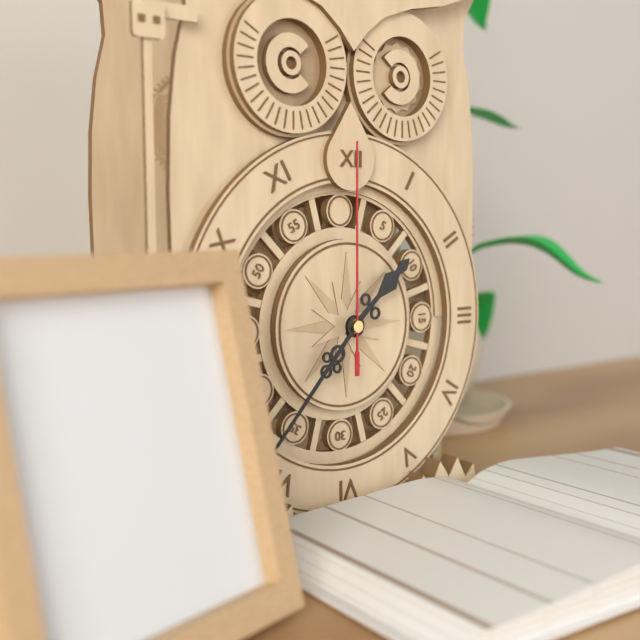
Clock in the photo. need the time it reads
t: 1:37:00
